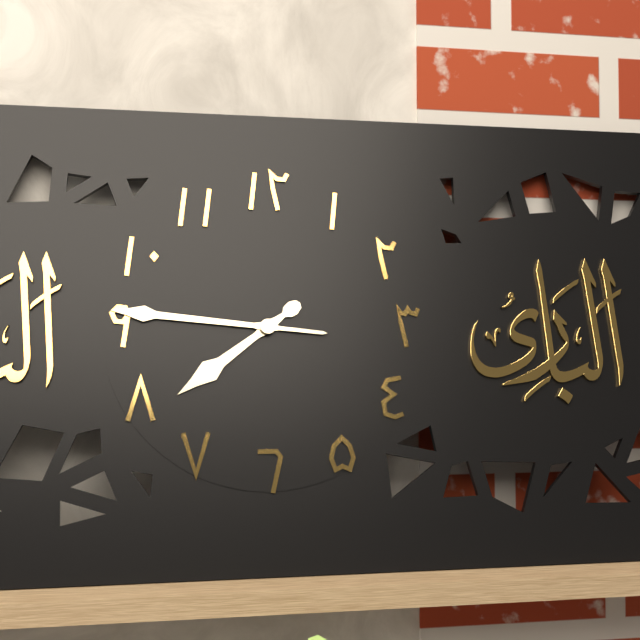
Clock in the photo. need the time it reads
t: 7:46
